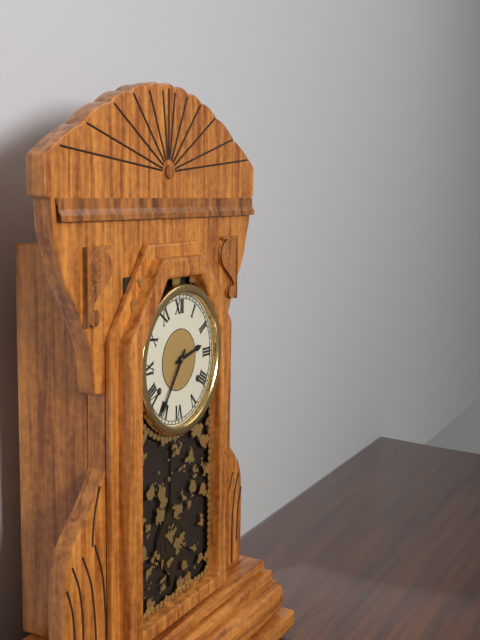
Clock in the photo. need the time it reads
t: 2:36
